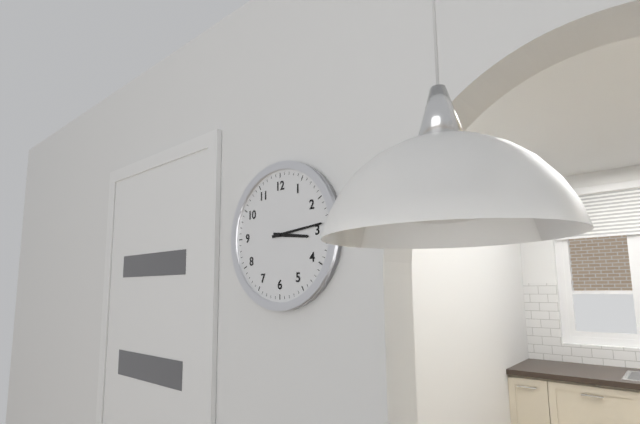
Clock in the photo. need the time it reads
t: 3:14
